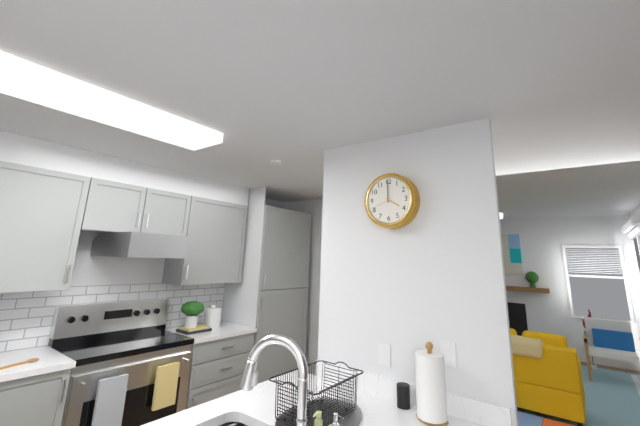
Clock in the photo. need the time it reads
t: 4:00
